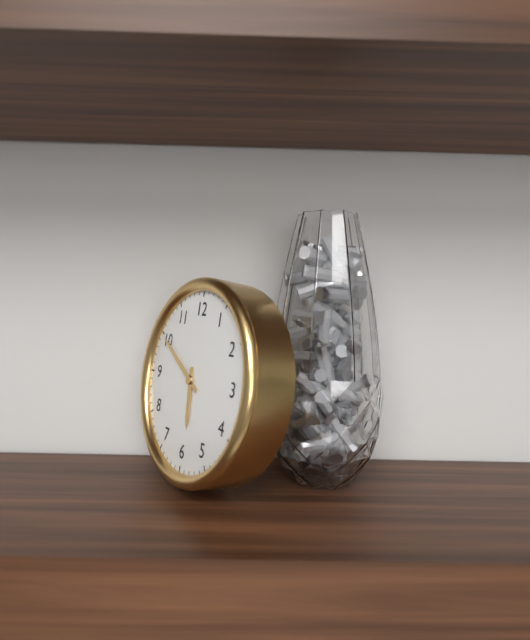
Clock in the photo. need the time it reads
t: 5:50
